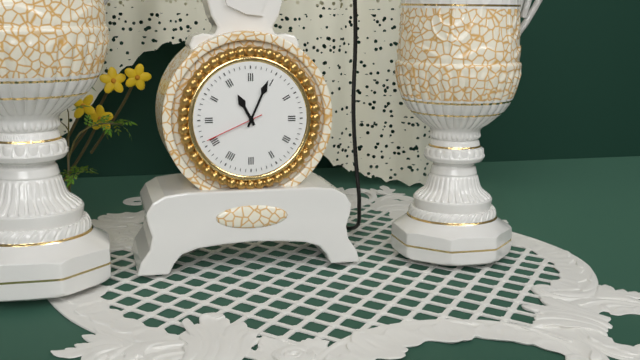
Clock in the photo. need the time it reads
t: 11:04:41
